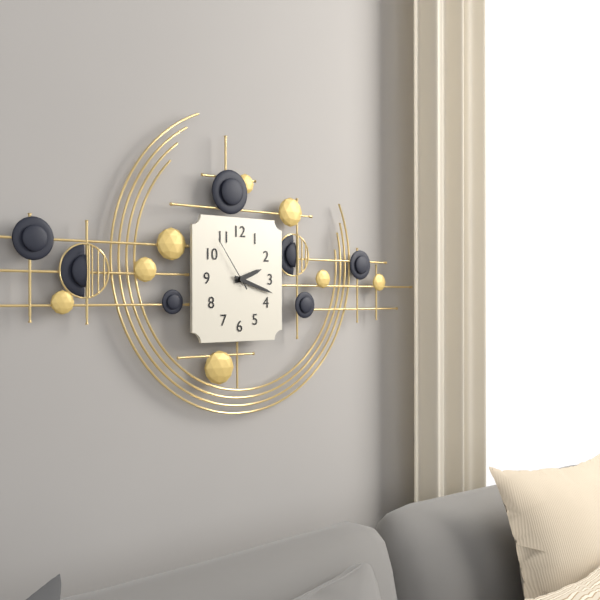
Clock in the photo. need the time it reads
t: 2:18:54
